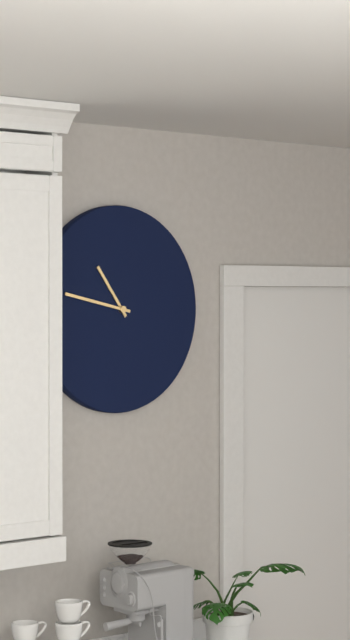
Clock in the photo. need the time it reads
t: 10:47
